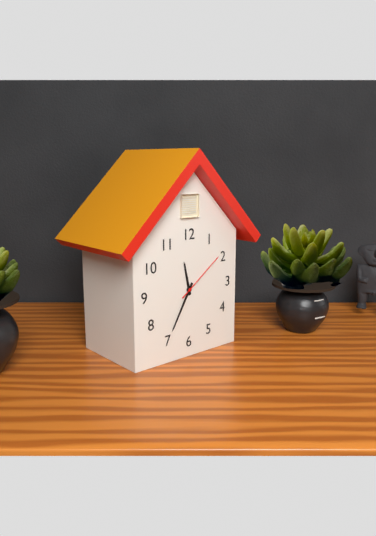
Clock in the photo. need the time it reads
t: 11:35:09
